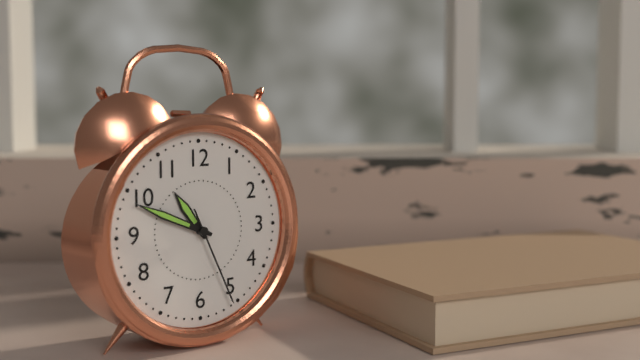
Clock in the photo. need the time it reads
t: 10:49:26
